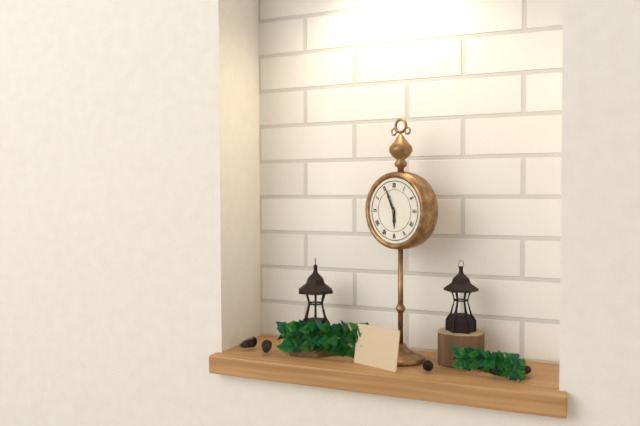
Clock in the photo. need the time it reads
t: 5:56
